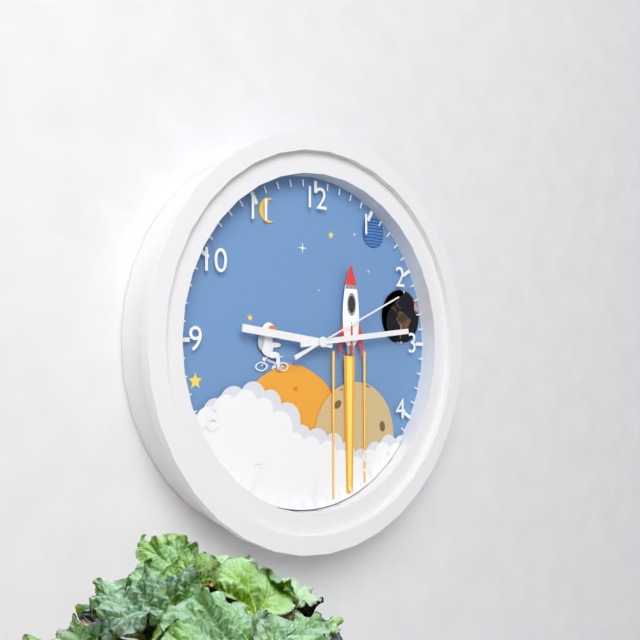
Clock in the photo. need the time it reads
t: 9:14:11
